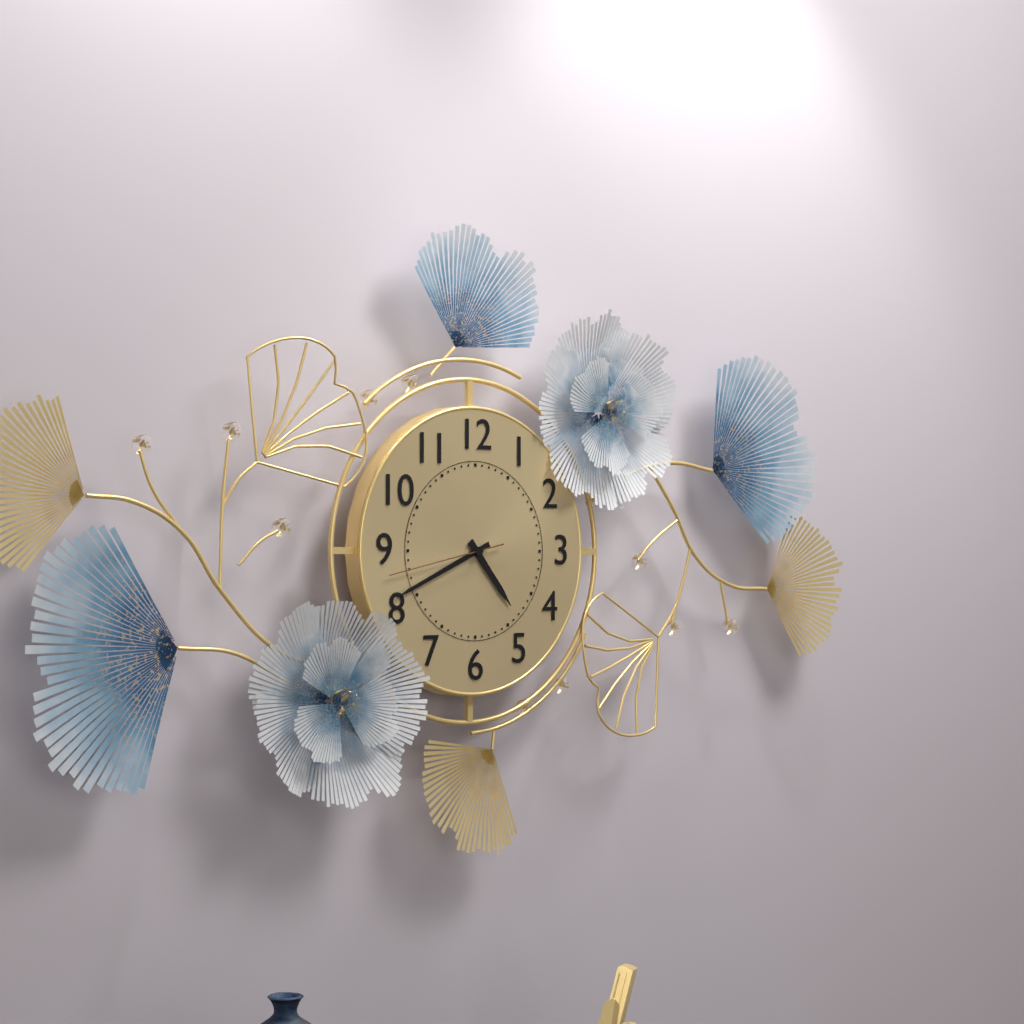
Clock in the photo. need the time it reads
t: 4:41:43
